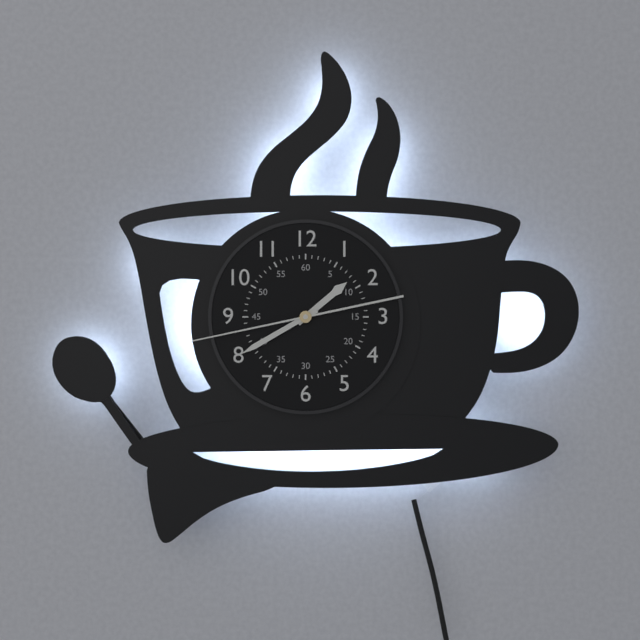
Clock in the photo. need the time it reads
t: 1:40:43
